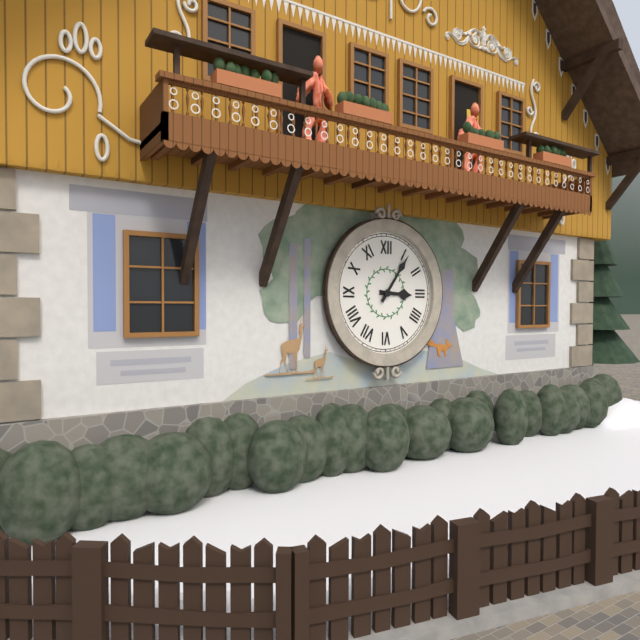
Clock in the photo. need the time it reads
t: 3:06
